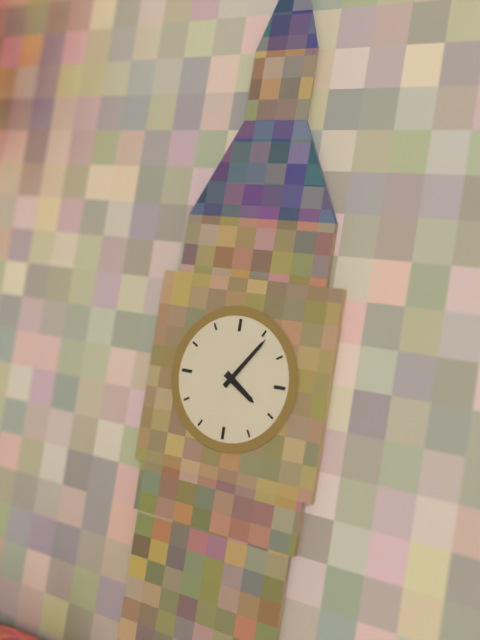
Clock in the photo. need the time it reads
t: 4:06
